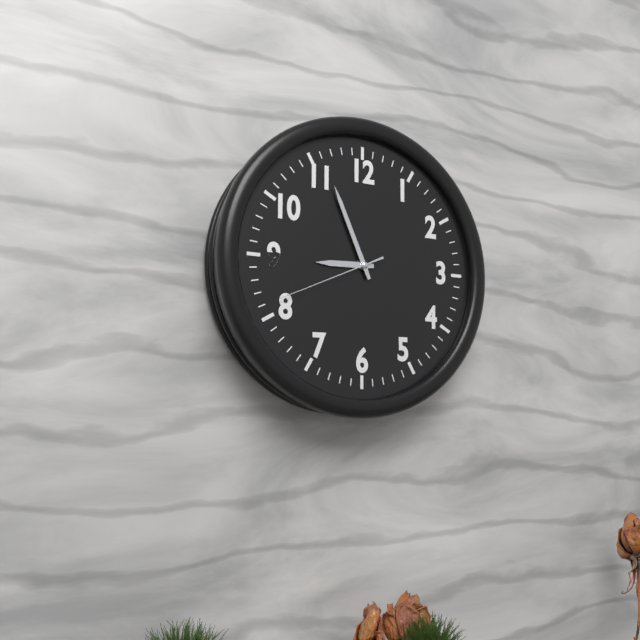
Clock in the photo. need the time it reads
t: 8:56:41
